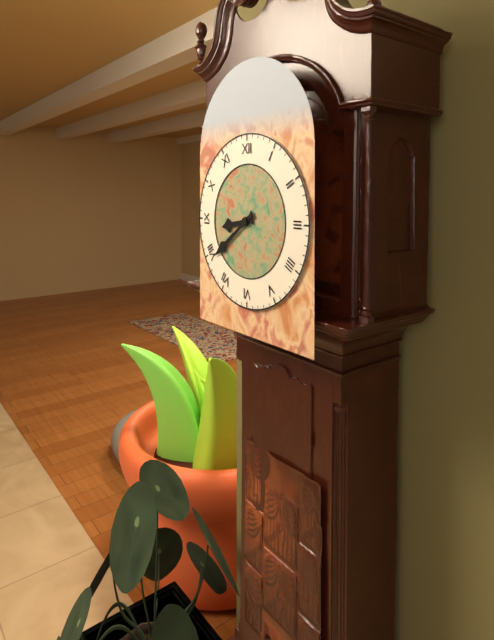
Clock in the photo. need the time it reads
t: 8:39
